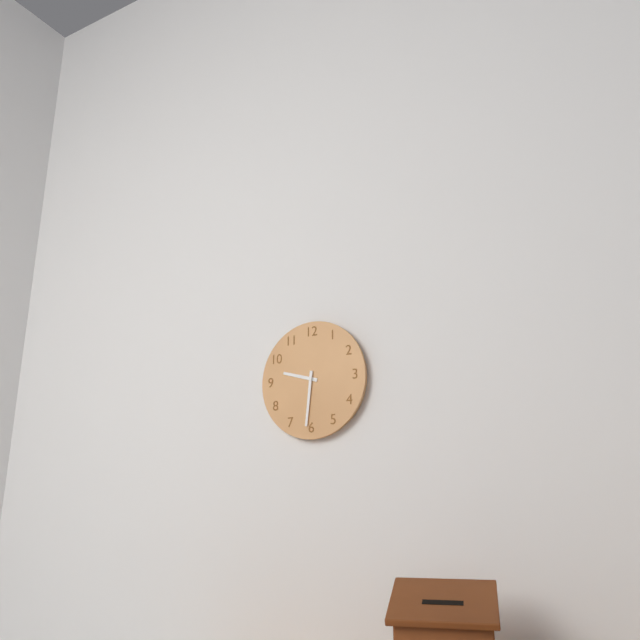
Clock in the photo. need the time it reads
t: 9:31
